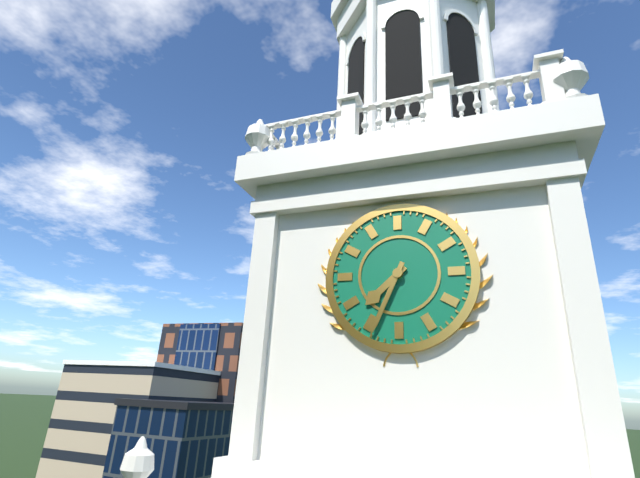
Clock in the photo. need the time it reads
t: 7:34
